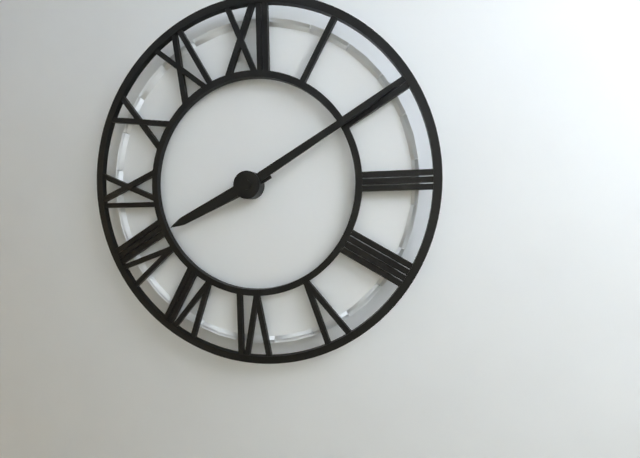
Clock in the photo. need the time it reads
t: 8:10
